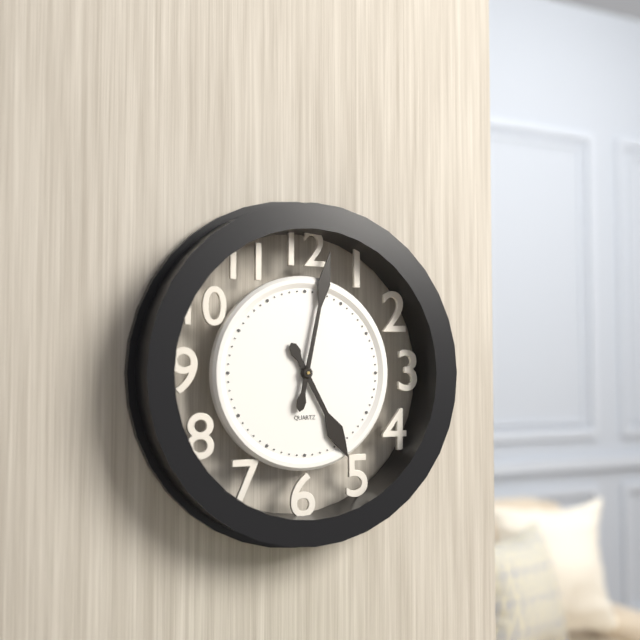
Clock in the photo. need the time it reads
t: 5:02
